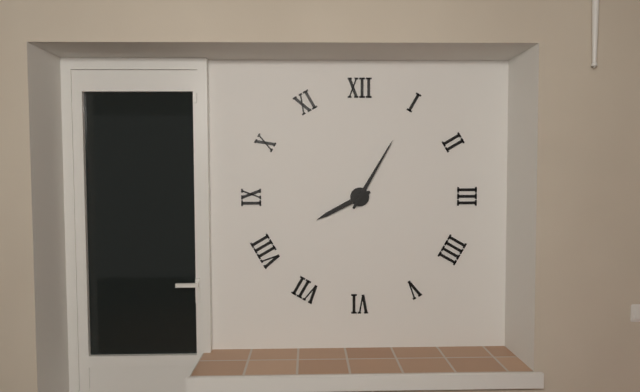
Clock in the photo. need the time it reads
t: 8:05
